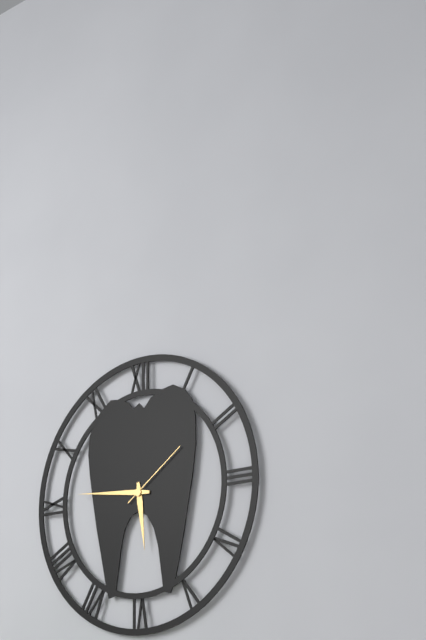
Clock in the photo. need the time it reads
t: 5:46:09
